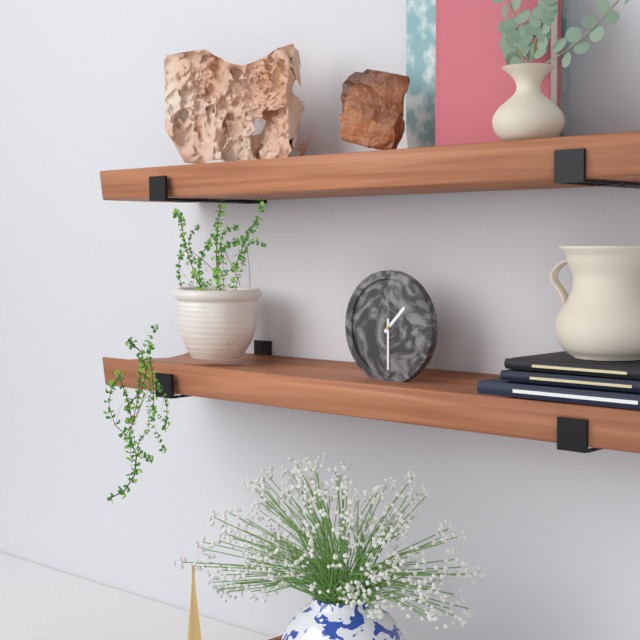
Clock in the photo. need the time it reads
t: 1:30
